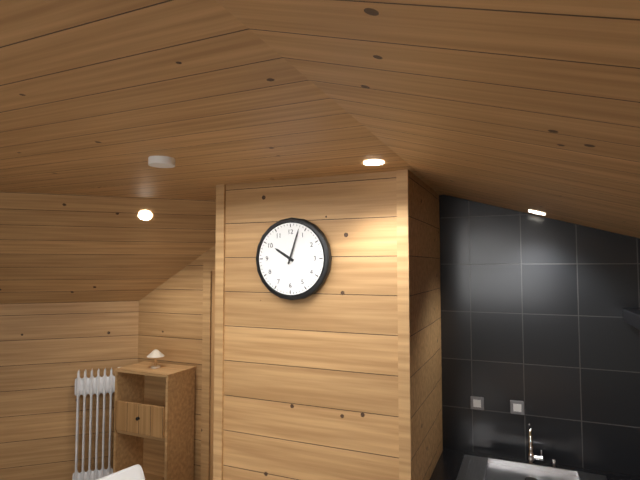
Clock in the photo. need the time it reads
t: 10:03
